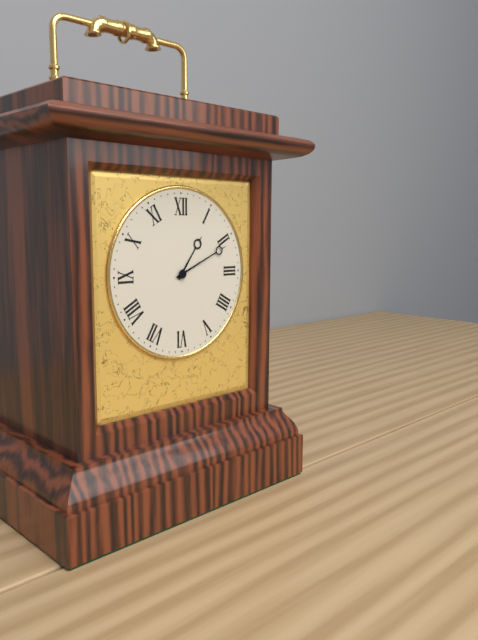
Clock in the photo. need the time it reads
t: 1:11
